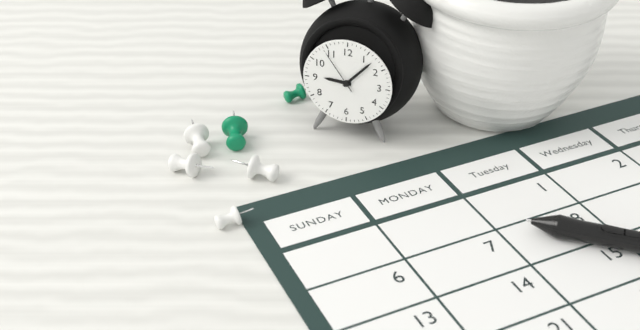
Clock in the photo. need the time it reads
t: 9:07:54
